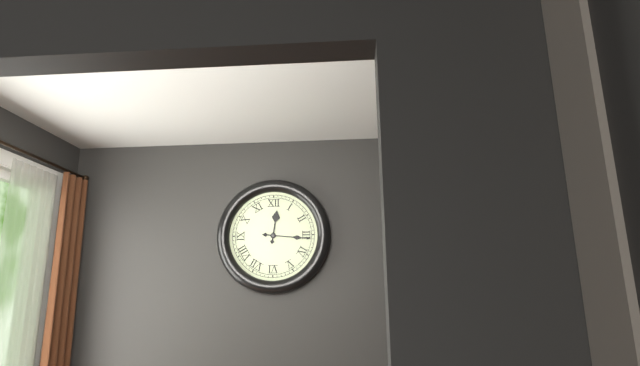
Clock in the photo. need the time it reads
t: 12:16
